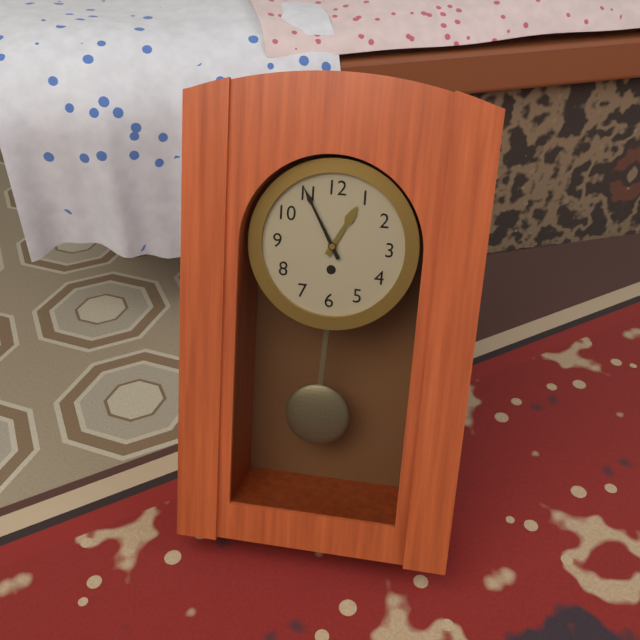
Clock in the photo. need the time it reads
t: 12:55
